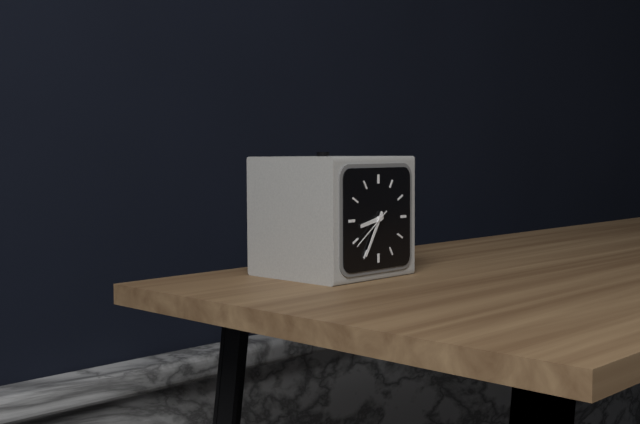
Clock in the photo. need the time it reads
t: 8:35
